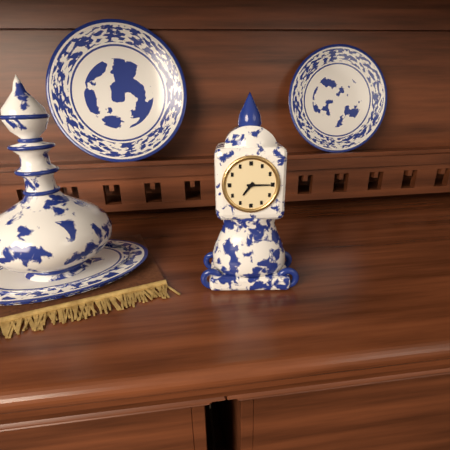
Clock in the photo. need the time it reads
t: 7:15
